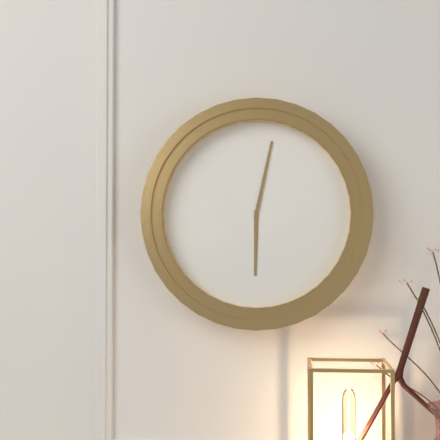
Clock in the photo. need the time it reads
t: 6:02
